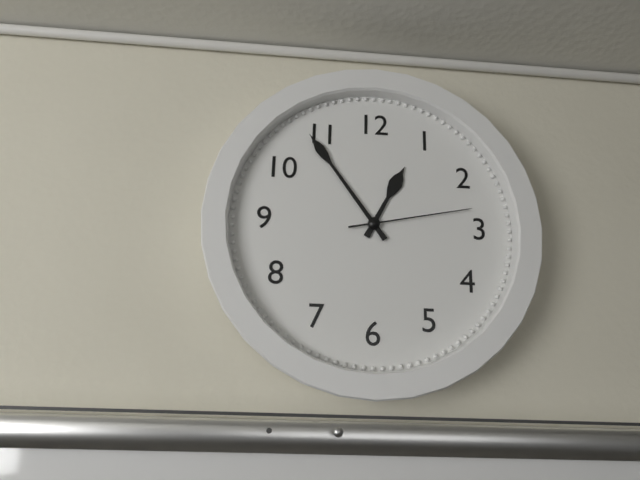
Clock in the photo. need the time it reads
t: 12:54:13
